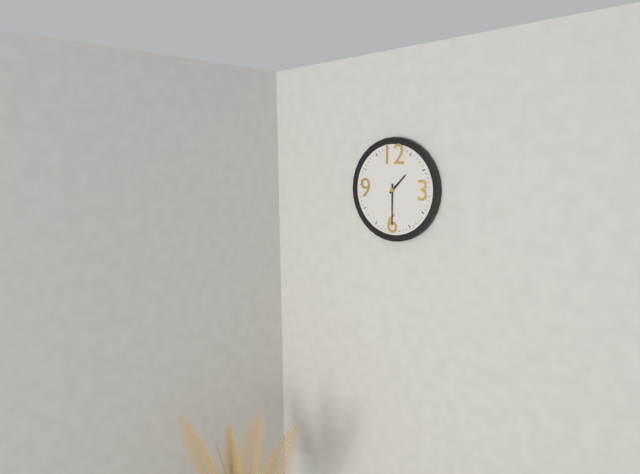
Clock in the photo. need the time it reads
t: 1:30
